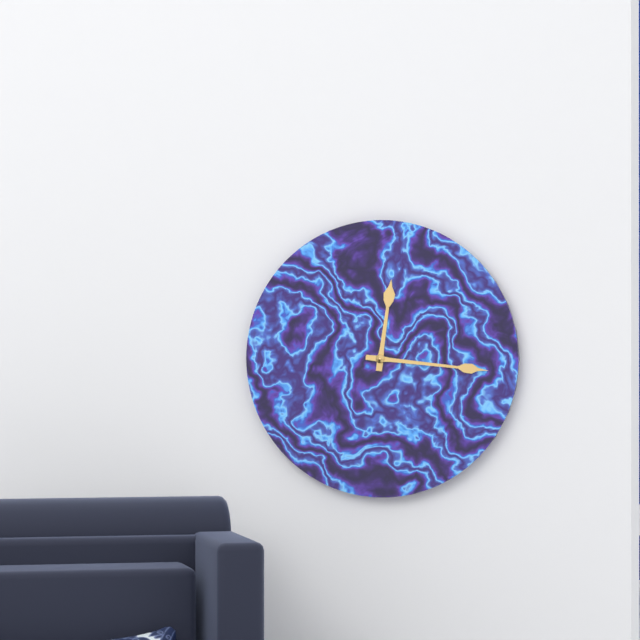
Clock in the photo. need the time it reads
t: 12:16
